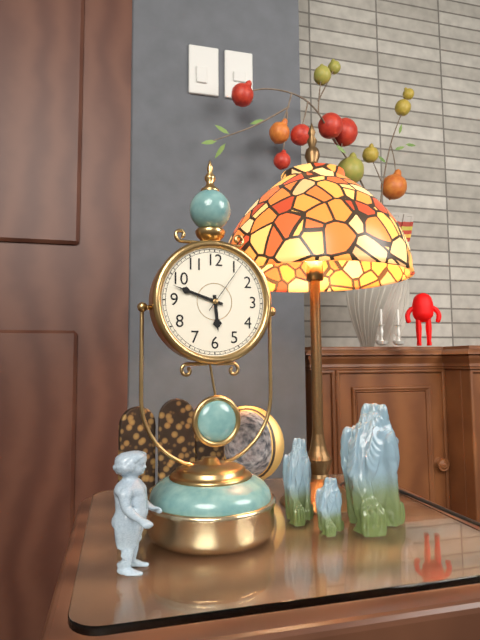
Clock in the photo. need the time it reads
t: 5:48:06
